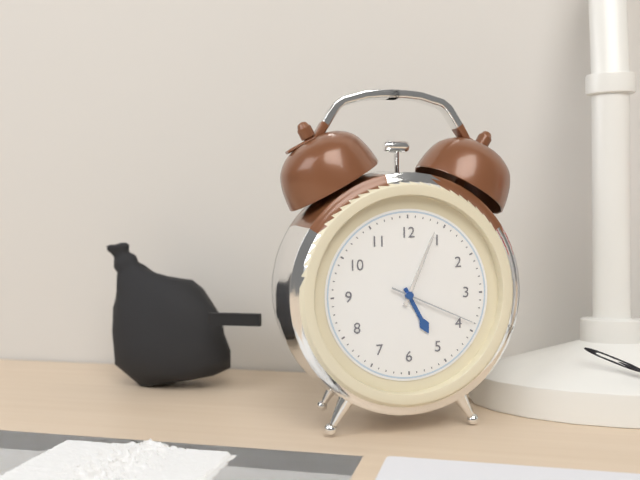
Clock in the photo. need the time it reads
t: 5:04:19
